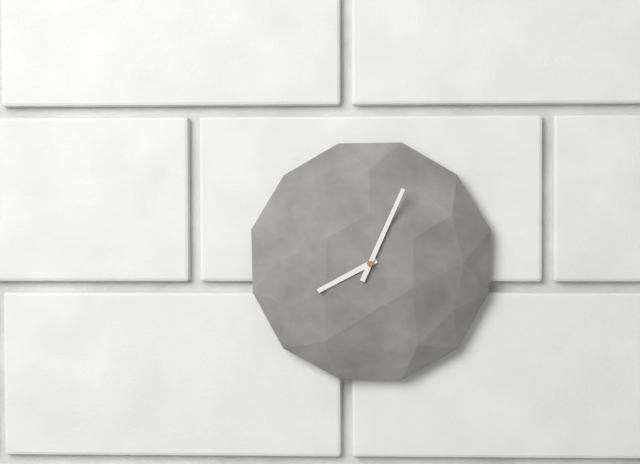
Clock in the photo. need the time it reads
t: 8:04
